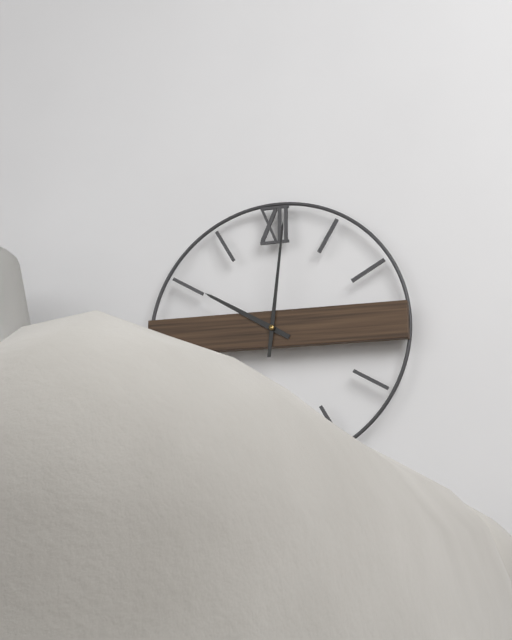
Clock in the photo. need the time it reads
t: 10:01
